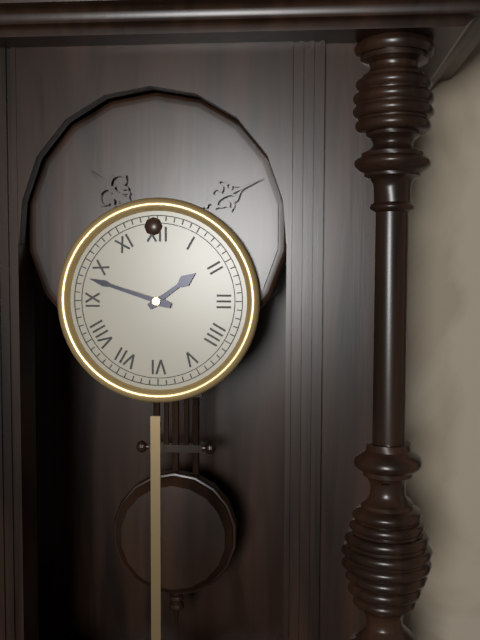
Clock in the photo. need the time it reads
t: 1:48
